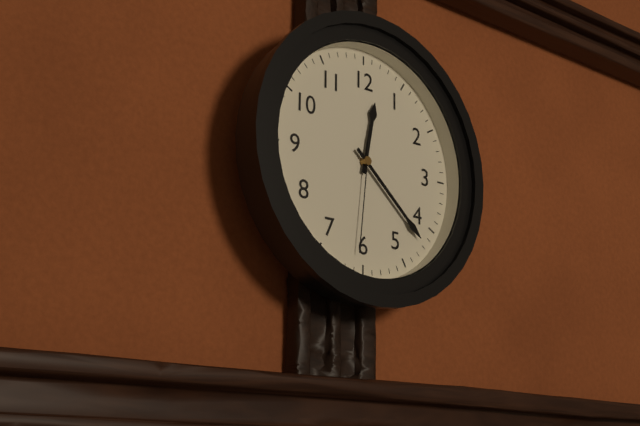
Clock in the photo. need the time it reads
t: 12:22:31
